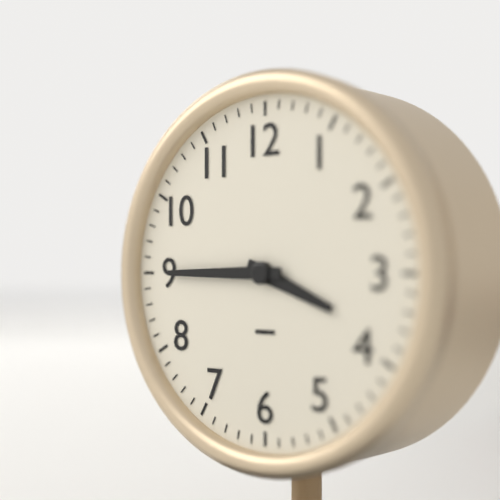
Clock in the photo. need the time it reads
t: 3:45
